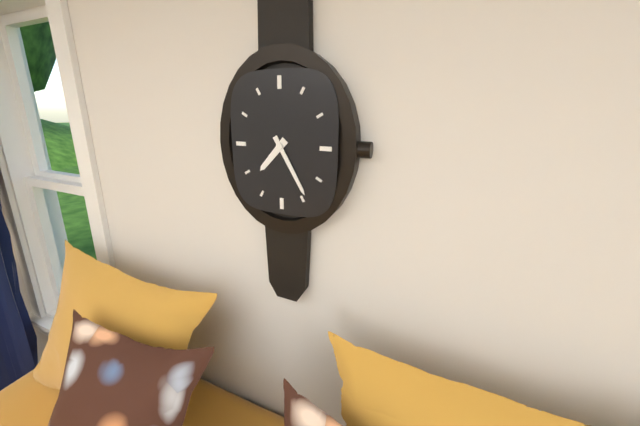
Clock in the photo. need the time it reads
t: 7:25
